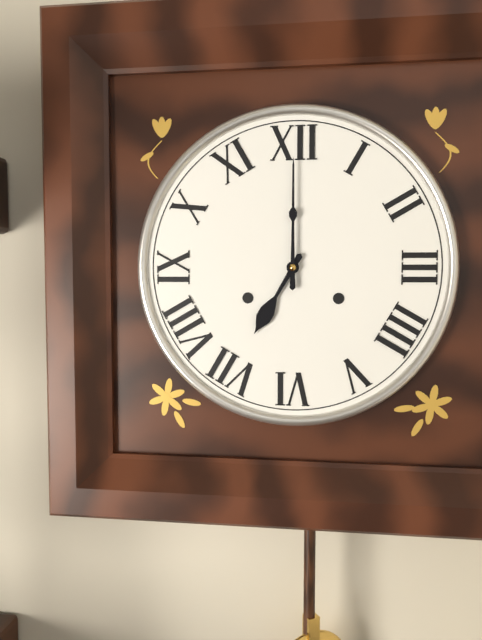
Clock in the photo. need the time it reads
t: 7:00
